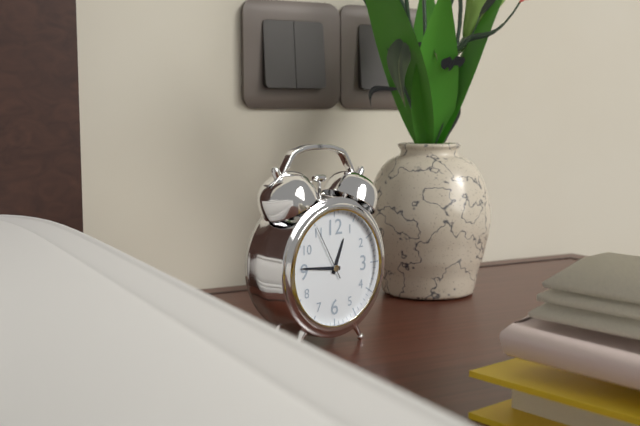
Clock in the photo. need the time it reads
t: 12:46:55
